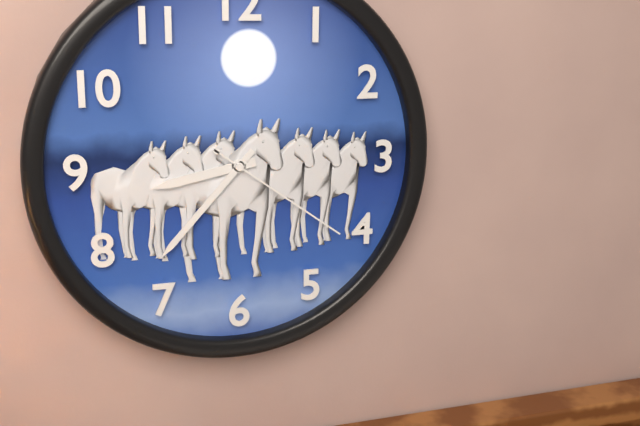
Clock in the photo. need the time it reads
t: 8:37:21
